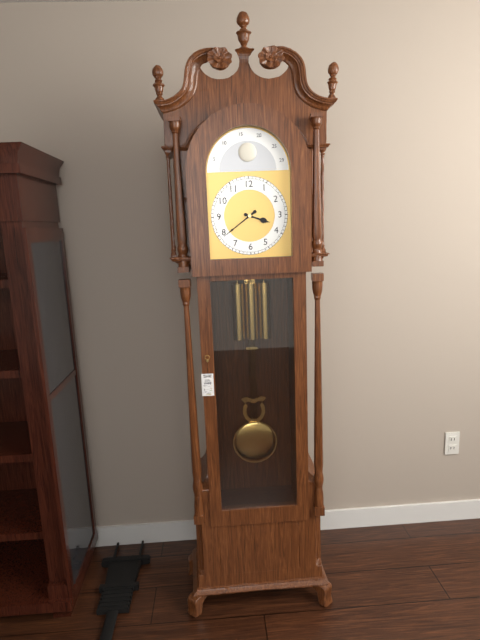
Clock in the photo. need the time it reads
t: 3:39
